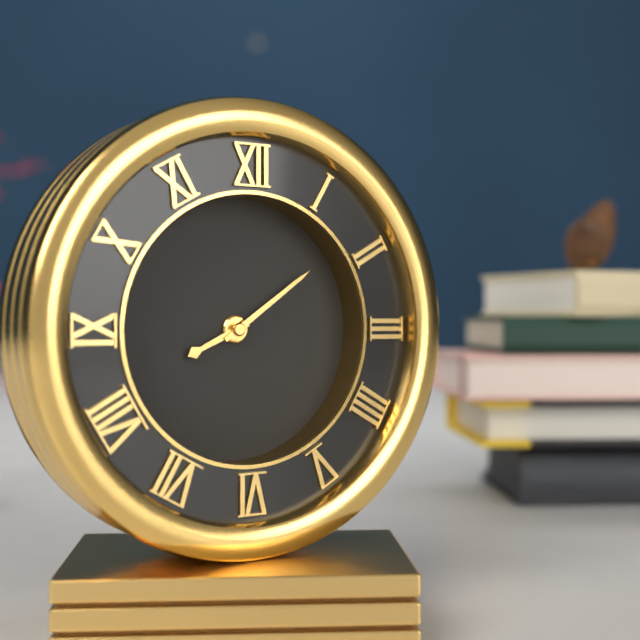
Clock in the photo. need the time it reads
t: 8:09
